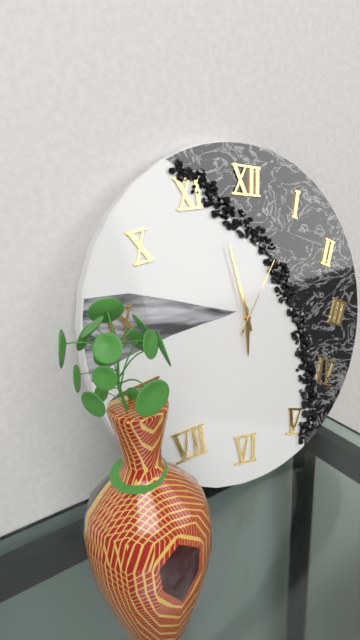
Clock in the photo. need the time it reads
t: 5:57:05
